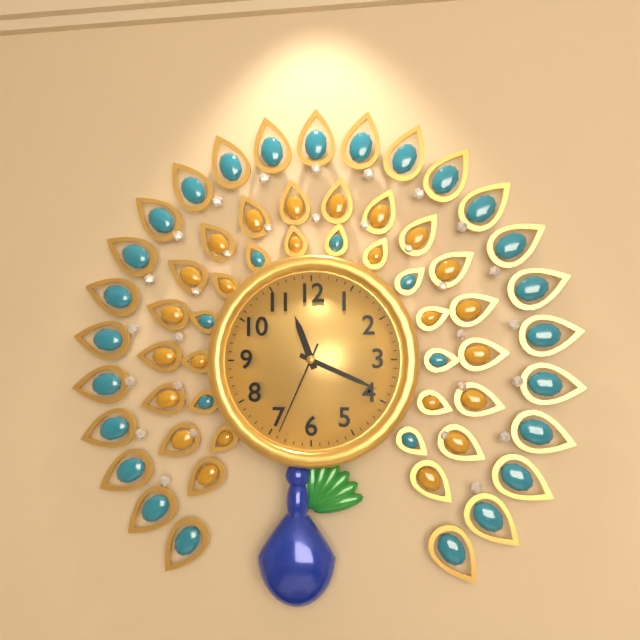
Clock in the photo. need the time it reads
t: 11:19:34
